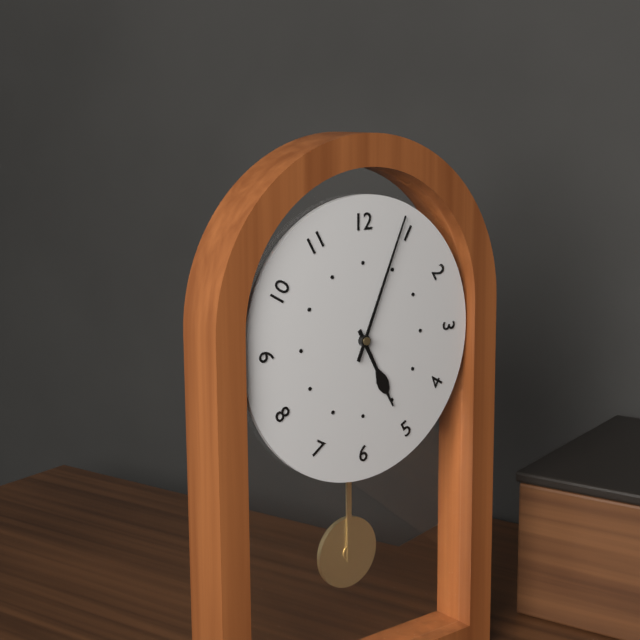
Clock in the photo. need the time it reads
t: 5:04
